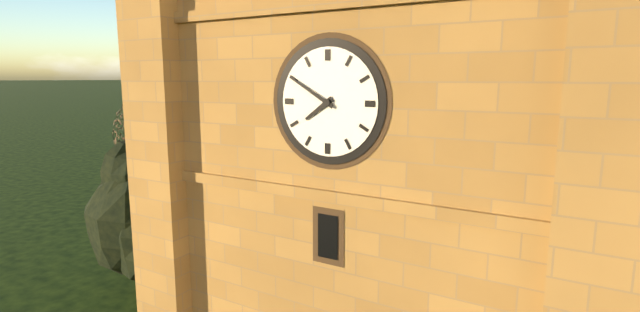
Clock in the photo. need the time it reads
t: 7:50
